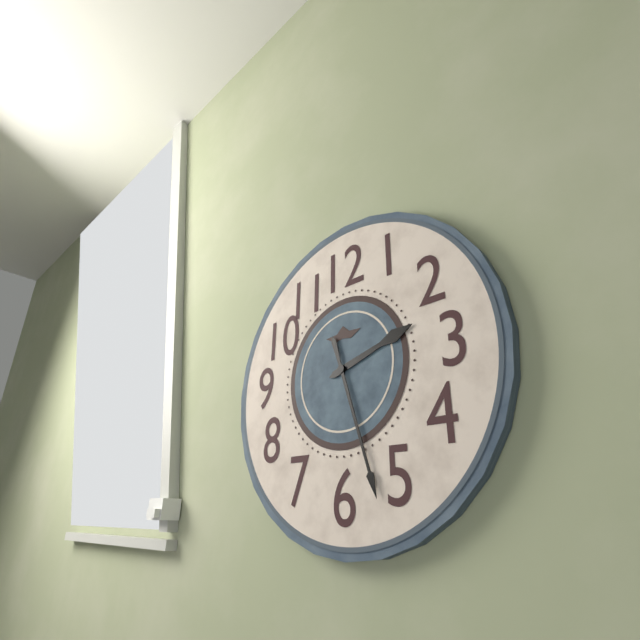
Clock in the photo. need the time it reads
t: 2:27
